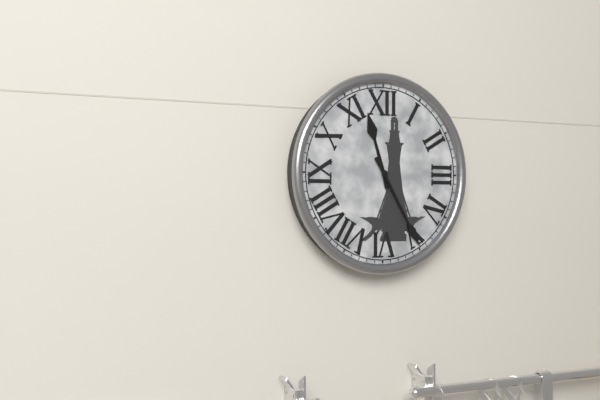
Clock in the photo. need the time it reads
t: 11:25
